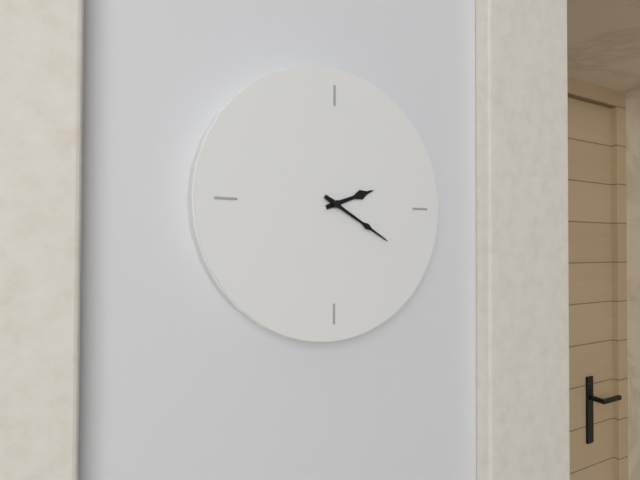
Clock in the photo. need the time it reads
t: 2:20
